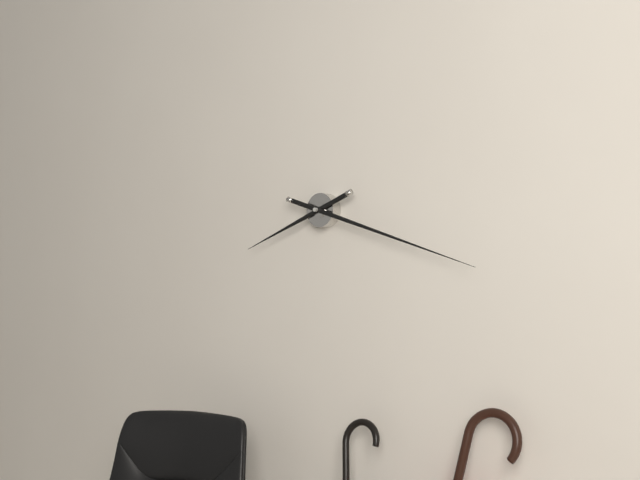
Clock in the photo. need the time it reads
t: 8:18
